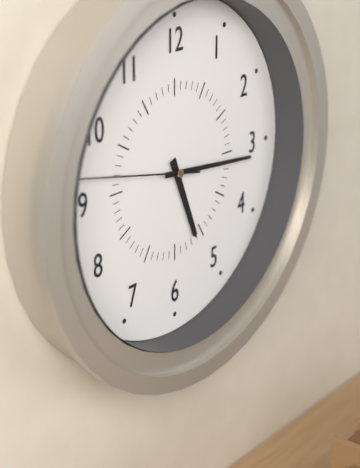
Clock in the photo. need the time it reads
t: 5:16:47
